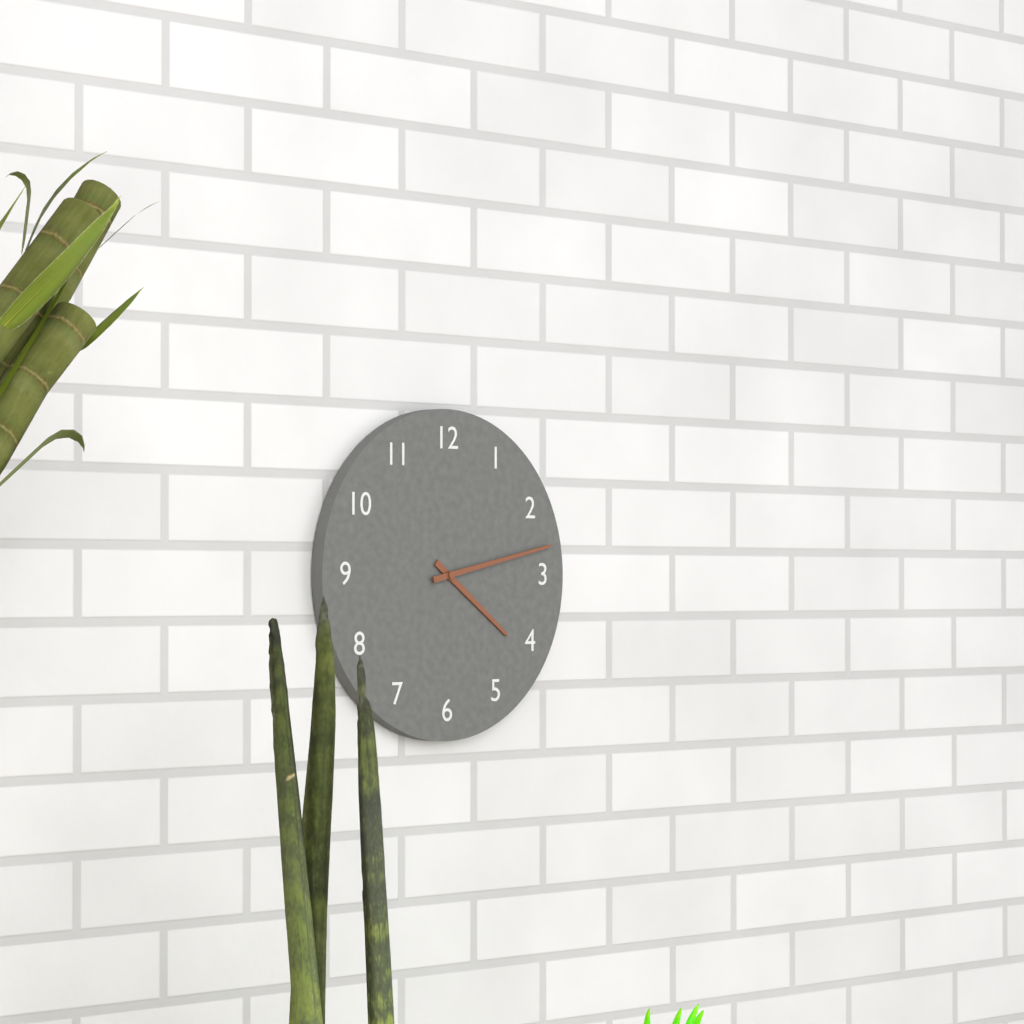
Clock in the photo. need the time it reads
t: 4:13
